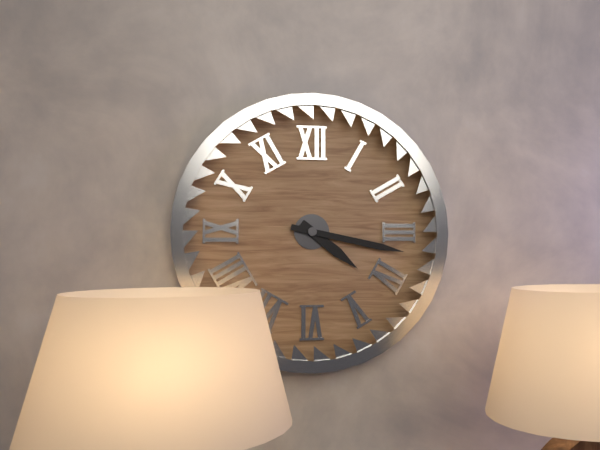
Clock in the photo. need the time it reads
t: 4:17
